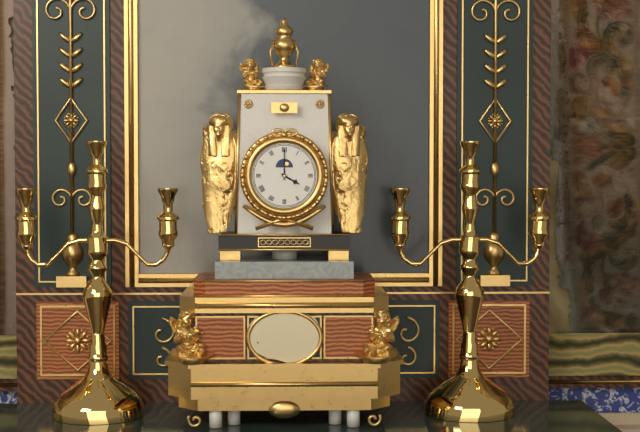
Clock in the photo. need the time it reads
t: 4:00
